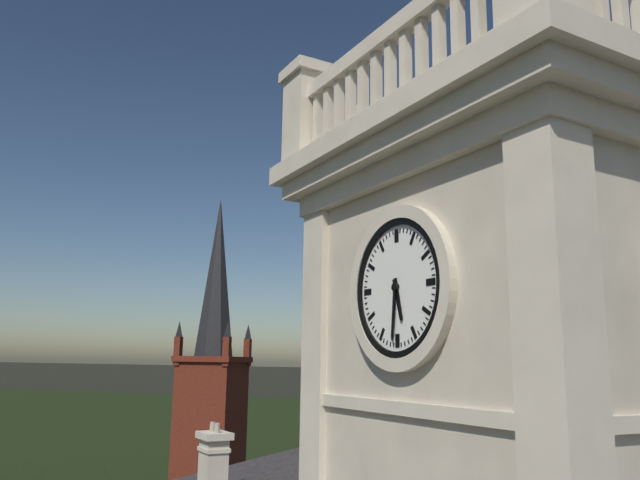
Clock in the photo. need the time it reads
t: 5:31
